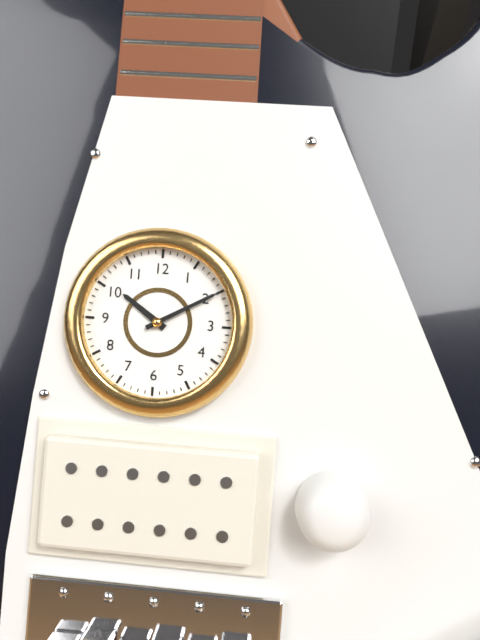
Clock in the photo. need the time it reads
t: 10:10
